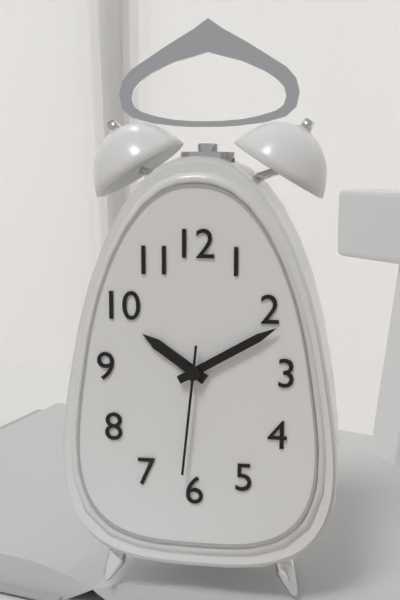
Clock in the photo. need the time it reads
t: 10:10:31
